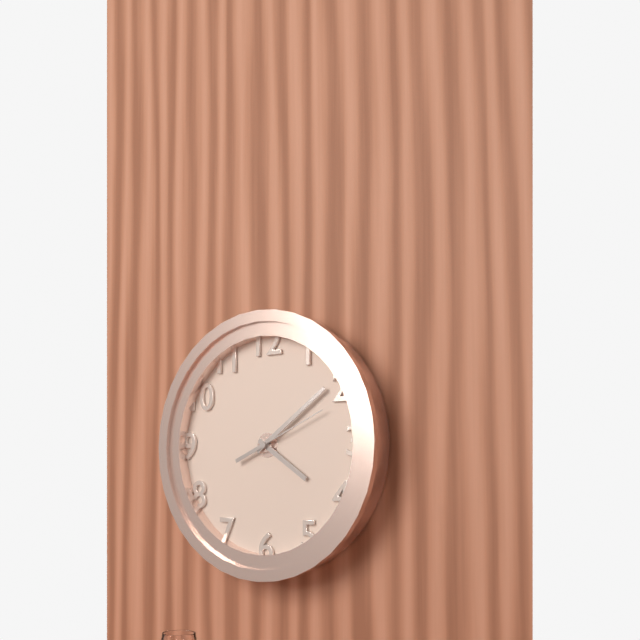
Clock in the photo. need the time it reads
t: 4:09:11
